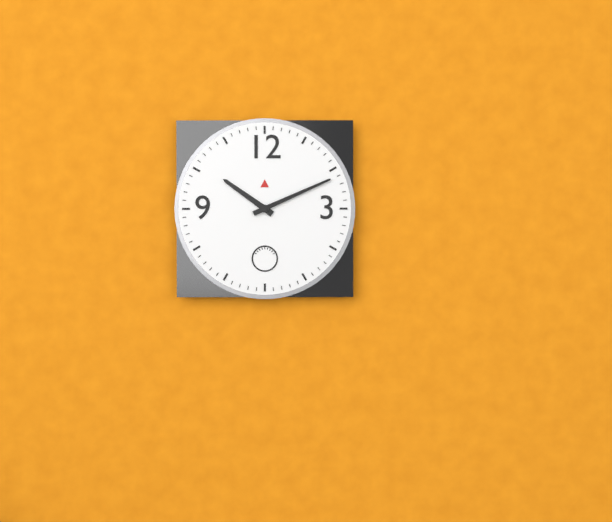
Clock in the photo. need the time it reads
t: 10:11
